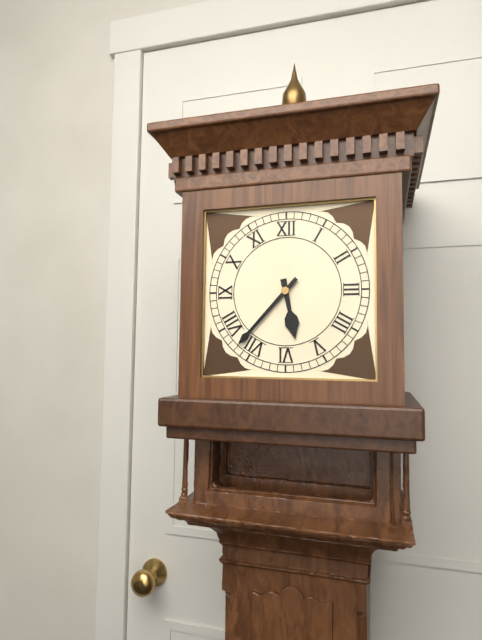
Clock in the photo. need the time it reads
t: 5:37
